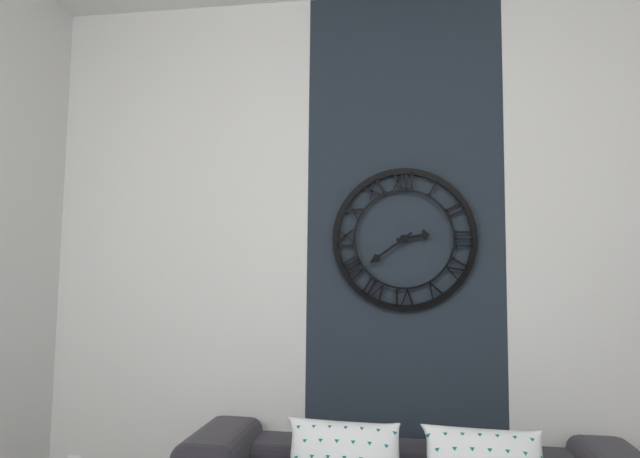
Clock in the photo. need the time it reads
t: 2:39
